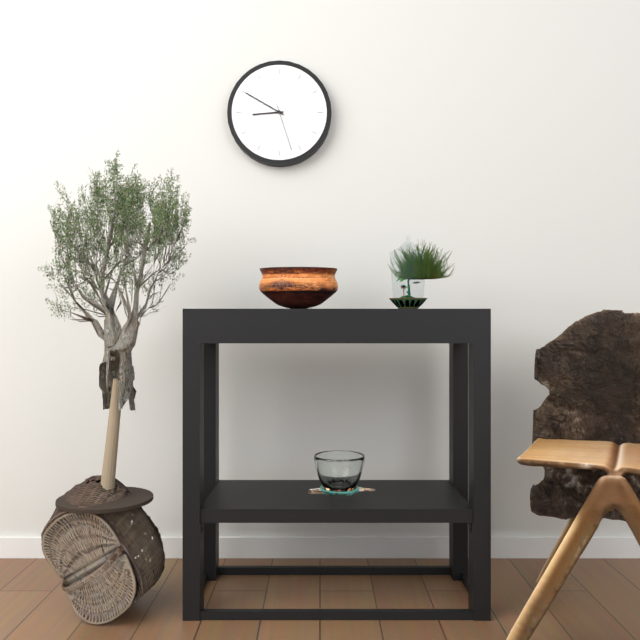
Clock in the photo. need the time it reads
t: 8:50:27
